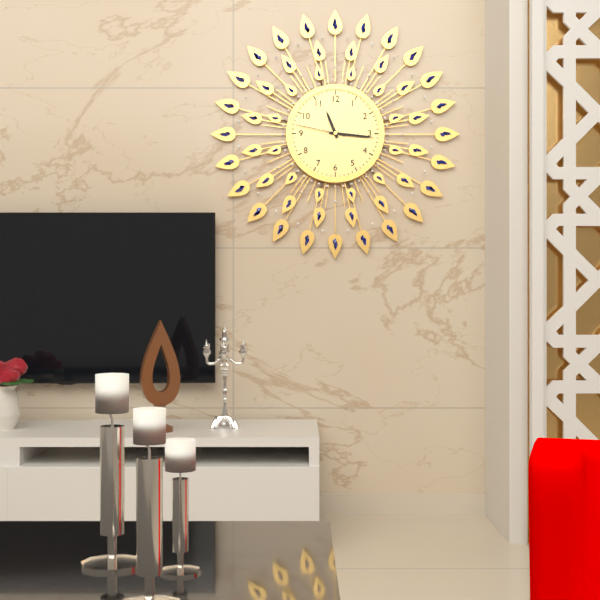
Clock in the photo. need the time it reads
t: 11:16:47
